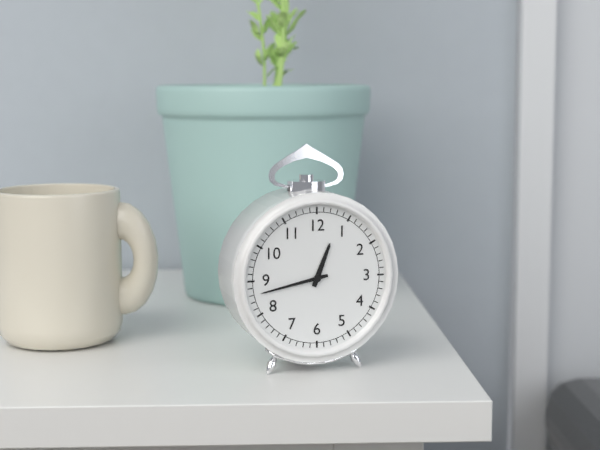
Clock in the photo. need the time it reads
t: 12:43
